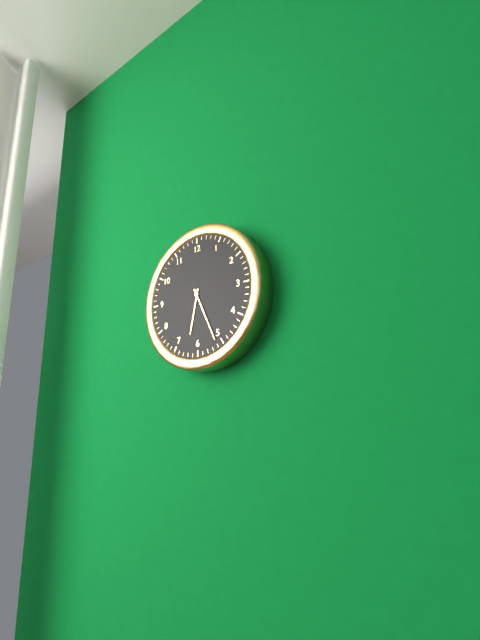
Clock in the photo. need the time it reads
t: 6:26
